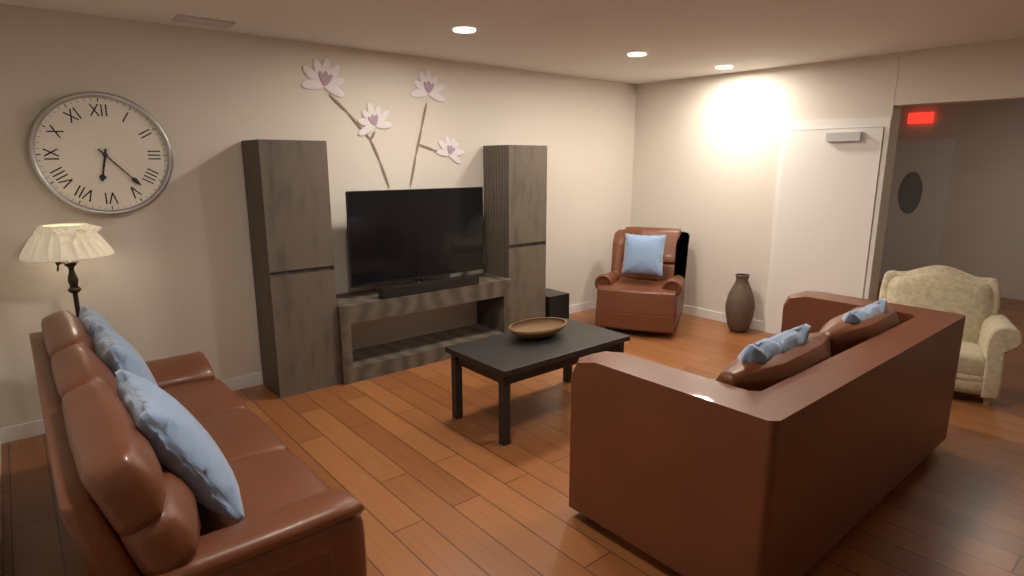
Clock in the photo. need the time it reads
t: 6:23
